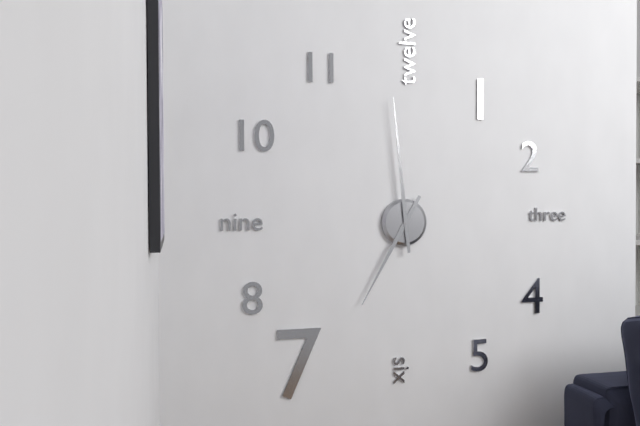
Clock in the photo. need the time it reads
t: 6:59
